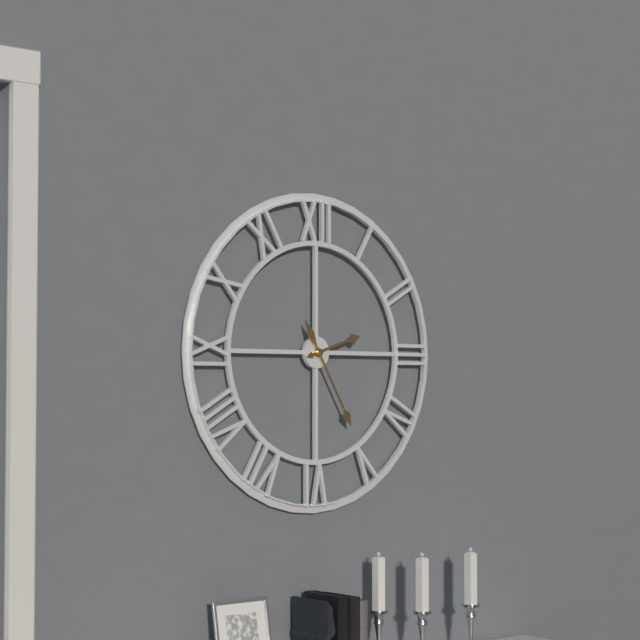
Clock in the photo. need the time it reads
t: 2:25
